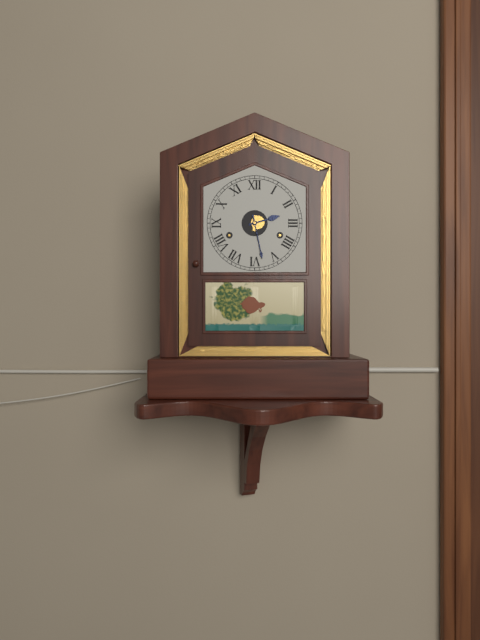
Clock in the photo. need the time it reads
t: 2:28
